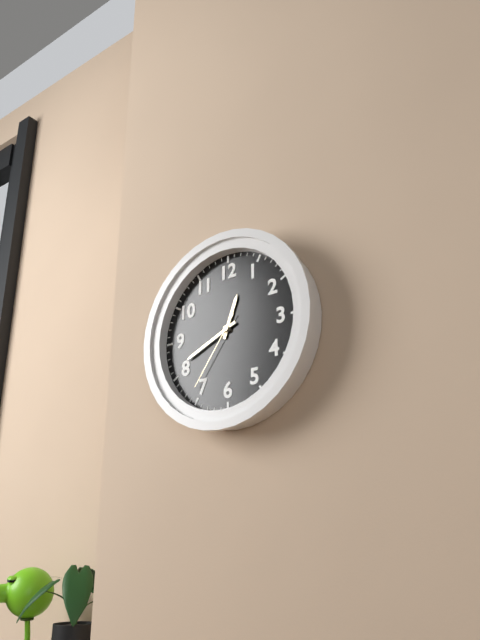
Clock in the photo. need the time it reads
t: 12:41:36
